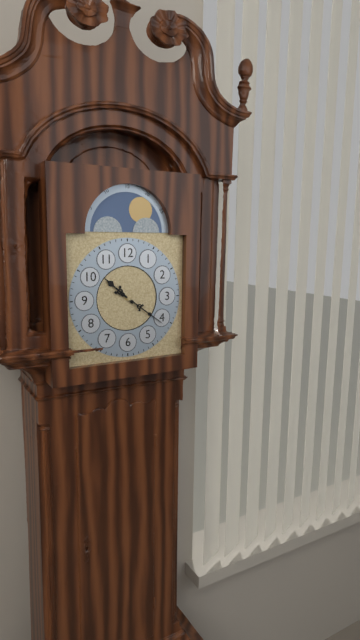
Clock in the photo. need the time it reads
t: 10:21
